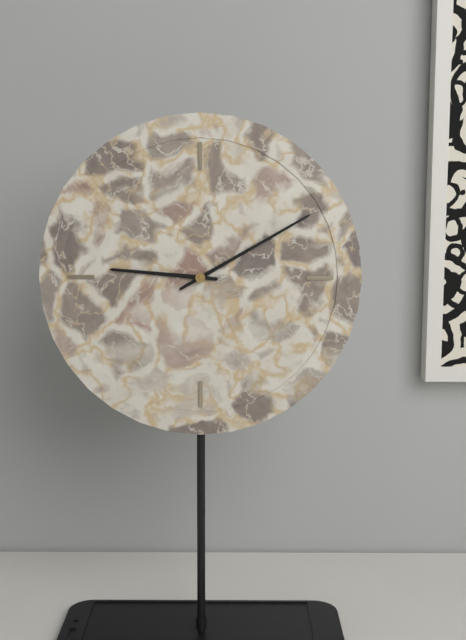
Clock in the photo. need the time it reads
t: 9:10
